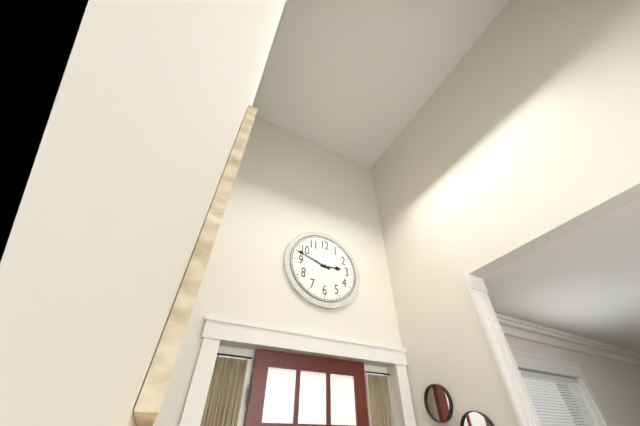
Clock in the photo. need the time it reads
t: 2:48
